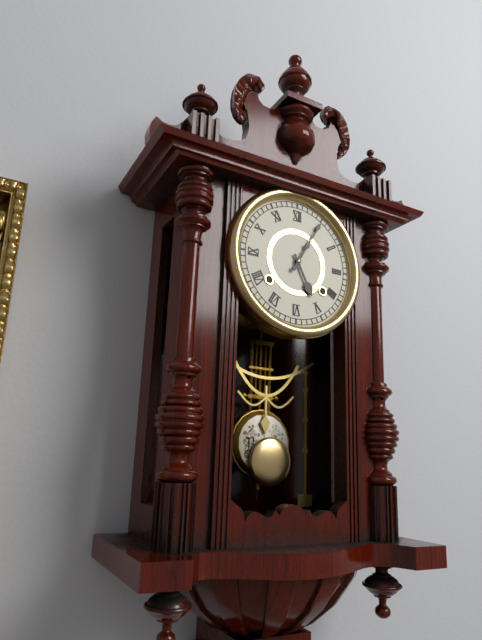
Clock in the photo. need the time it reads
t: 5:05
